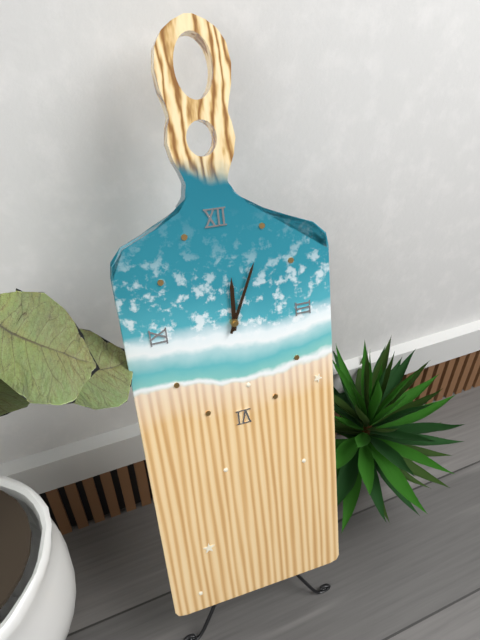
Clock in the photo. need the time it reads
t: 12:04
